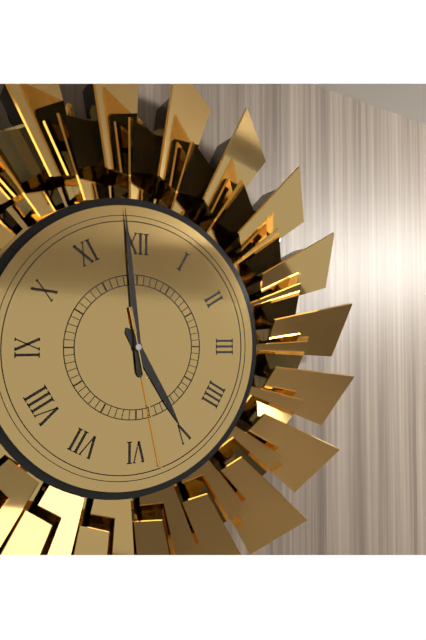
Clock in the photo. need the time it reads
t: 4:59:28
